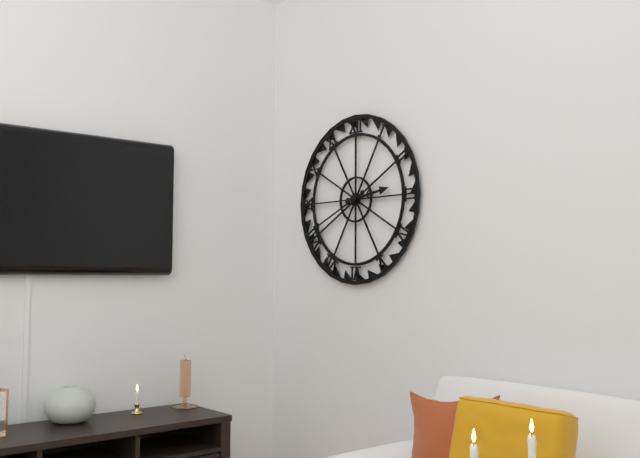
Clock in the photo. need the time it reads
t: 2:41
